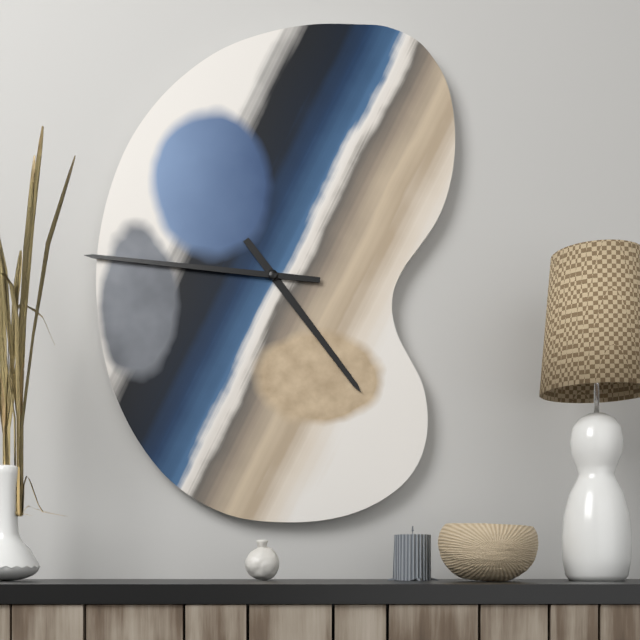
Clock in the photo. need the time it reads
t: 4:46
